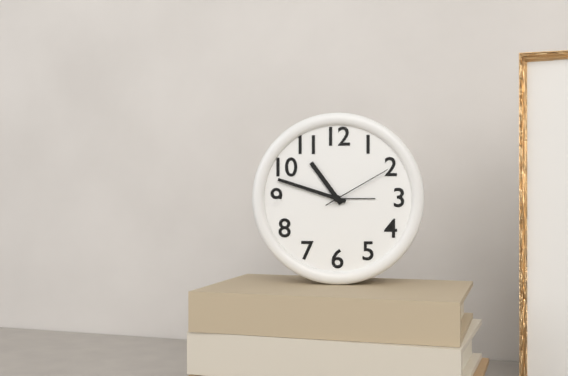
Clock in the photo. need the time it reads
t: 10:48:10
